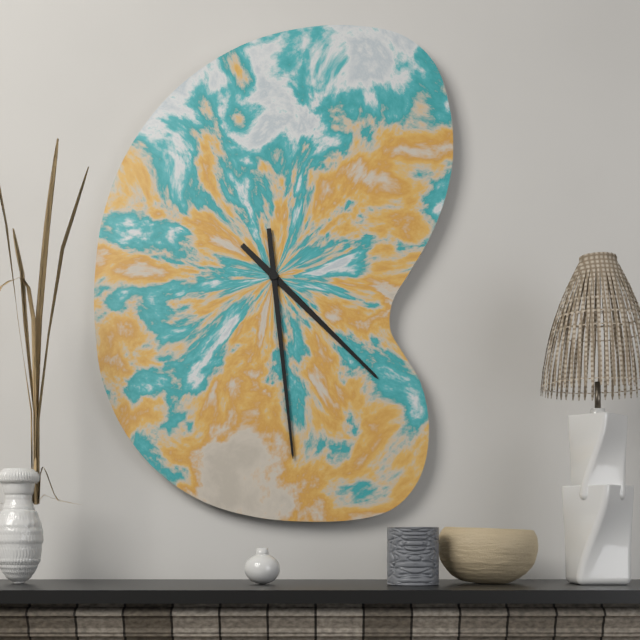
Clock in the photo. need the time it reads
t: 4:29
